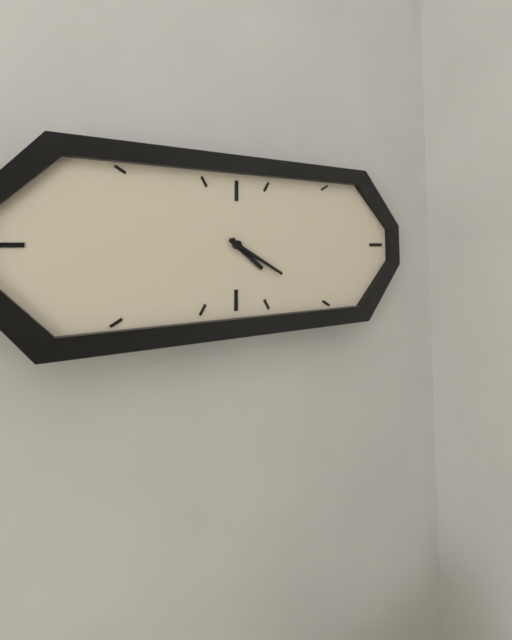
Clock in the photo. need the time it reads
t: 4:20
